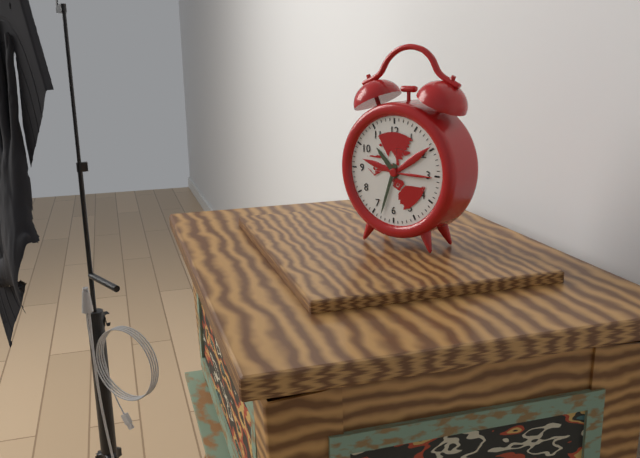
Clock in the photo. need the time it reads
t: 10:33
